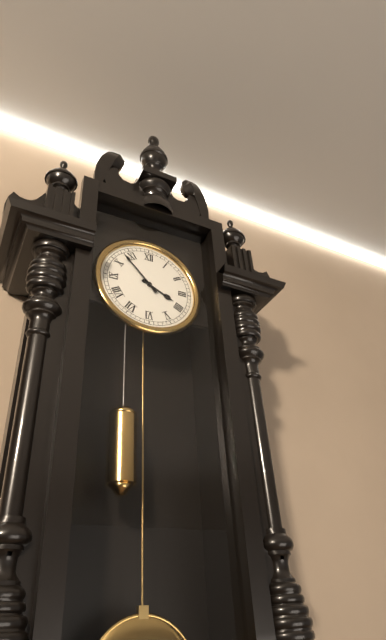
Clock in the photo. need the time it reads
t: 3:53
